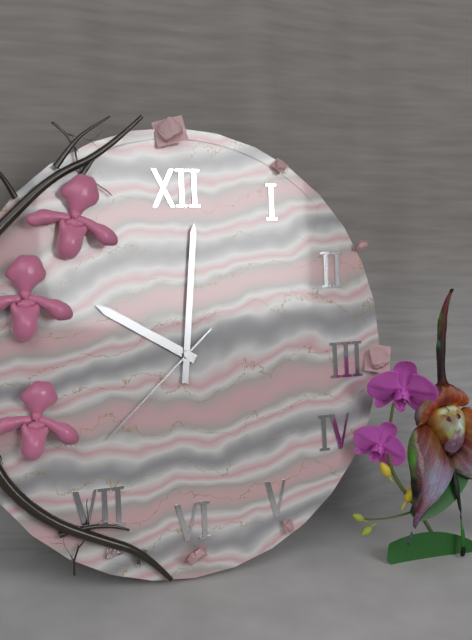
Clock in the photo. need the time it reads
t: 10:01:38
